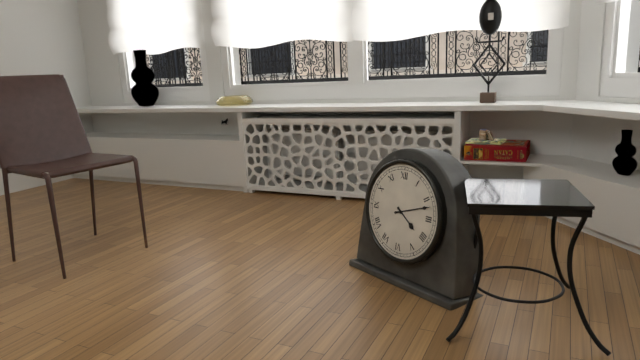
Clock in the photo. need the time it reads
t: 4:12
